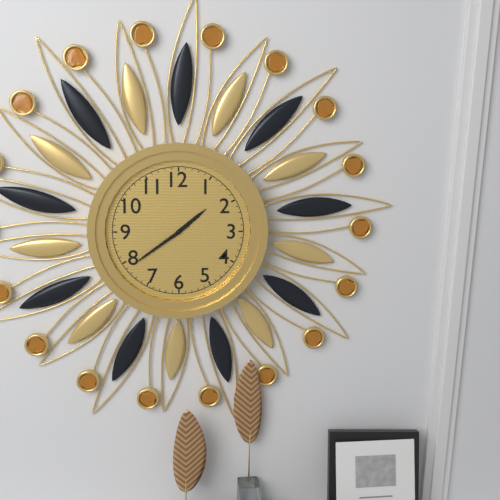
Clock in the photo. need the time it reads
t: 1:39
